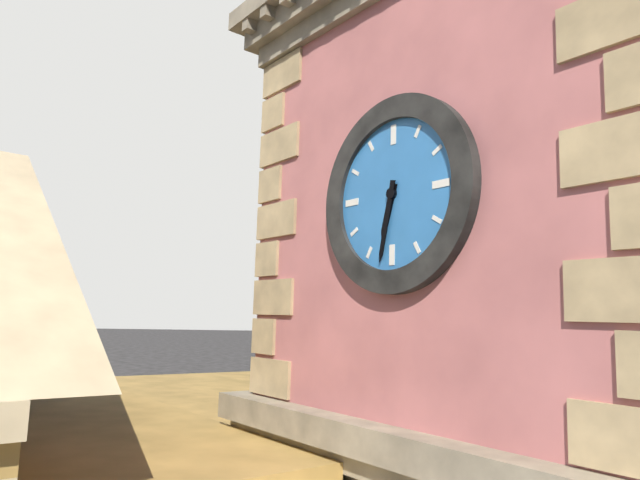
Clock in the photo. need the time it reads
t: 6:32
